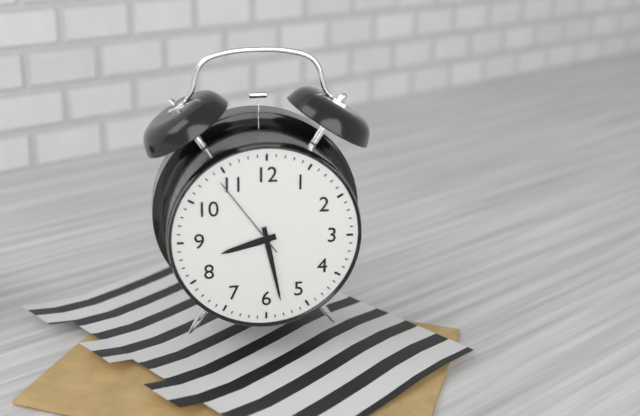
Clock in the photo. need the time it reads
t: 8:28:54
